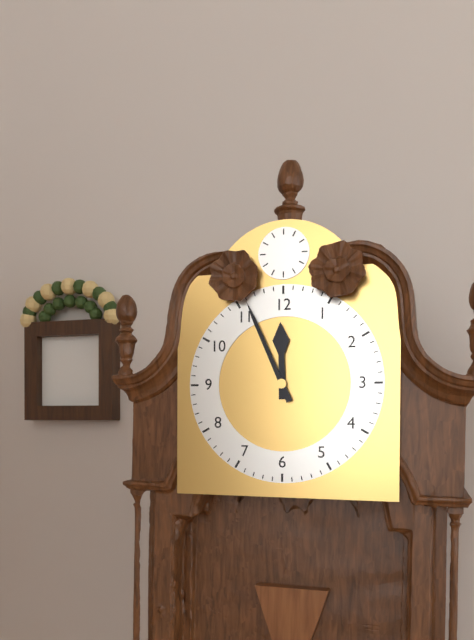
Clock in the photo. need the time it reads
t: 11:56
